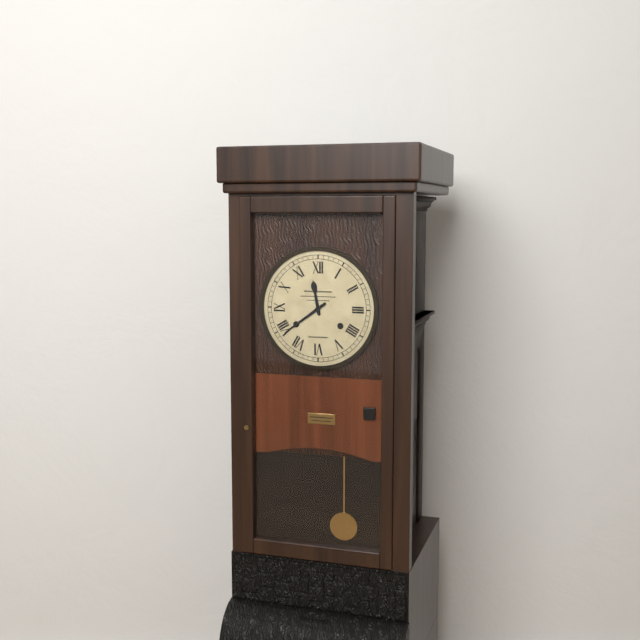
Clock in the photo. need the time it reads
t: 11:39
